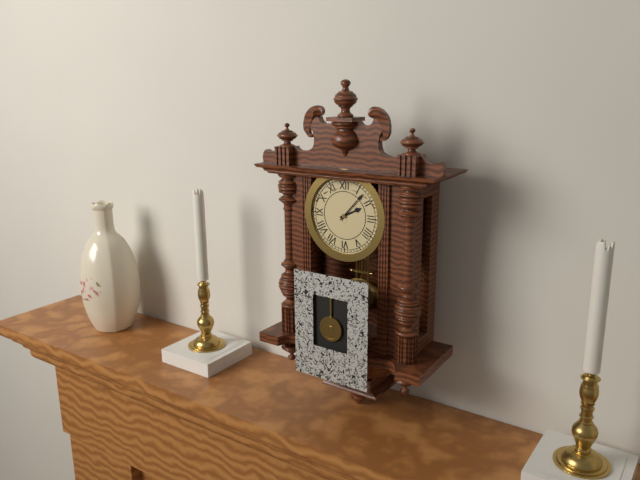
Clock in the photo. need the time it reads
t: 2:07
